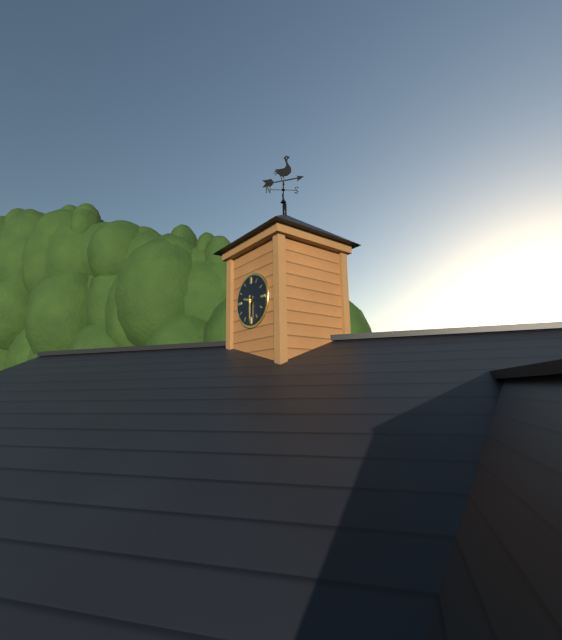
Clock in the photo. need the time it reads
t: 9:30
